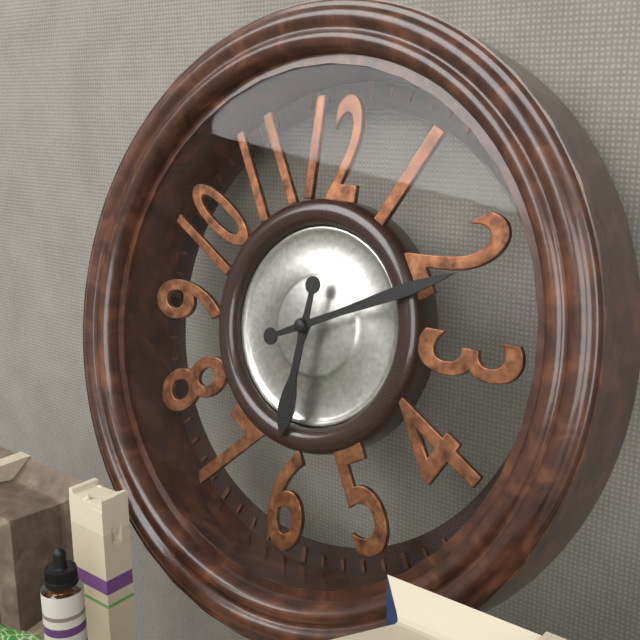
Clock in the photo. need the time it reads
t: 6:11
